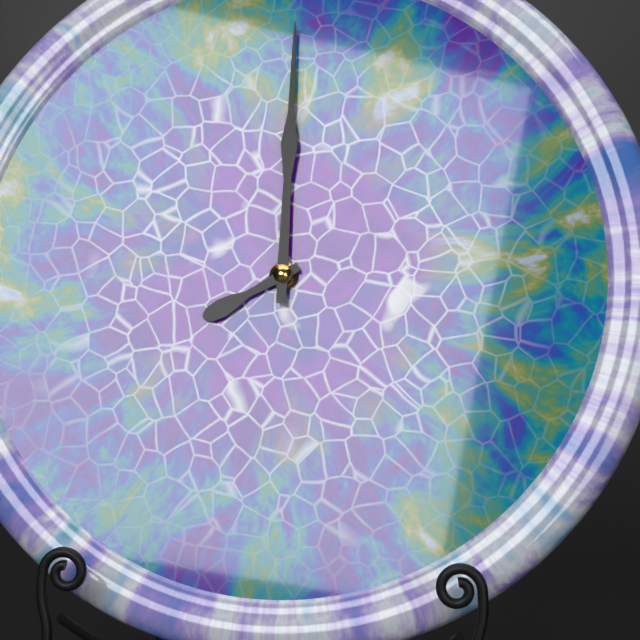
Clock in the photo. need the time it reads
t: 8:00
